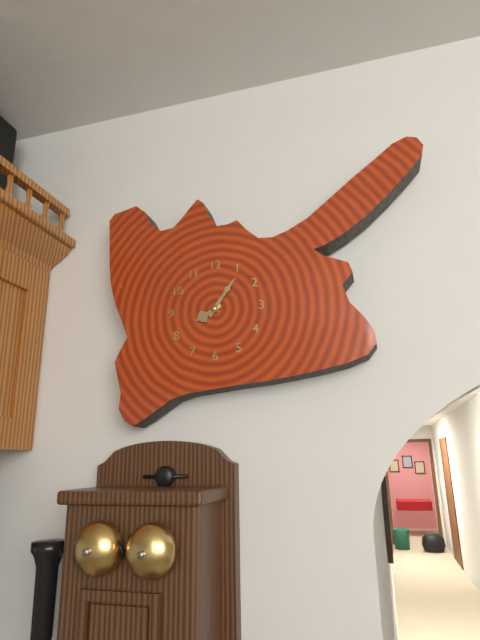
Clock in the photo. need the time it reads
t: 8:06
